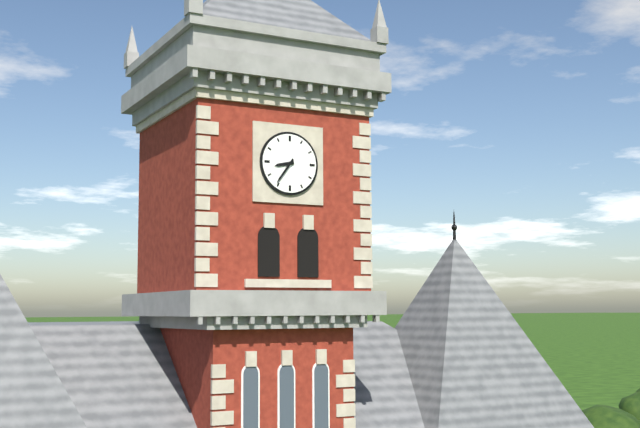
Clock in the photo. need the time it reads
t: 8:36
